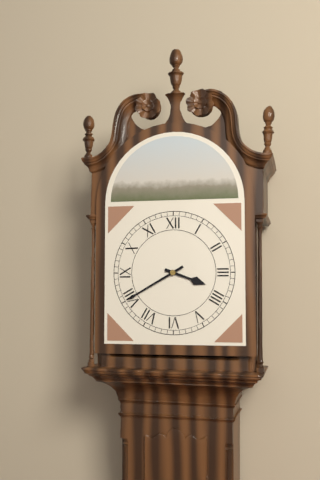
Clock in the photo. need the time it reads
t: 3:40
